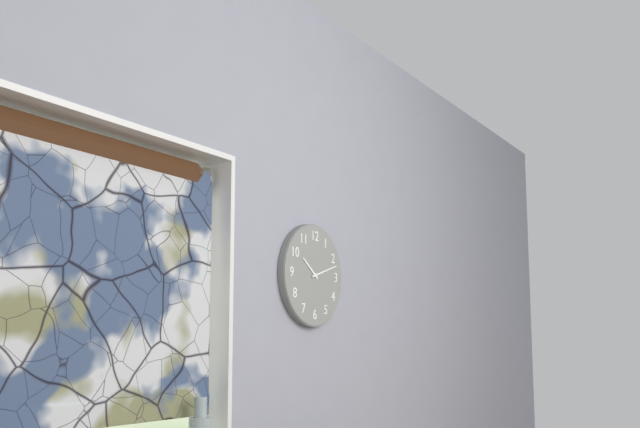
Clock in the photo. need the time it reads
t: 10:12
